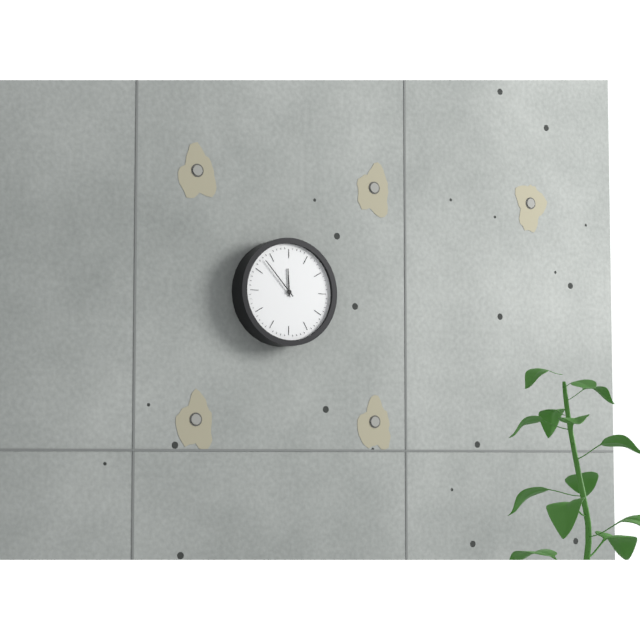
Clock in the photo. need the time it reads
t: 11:53
